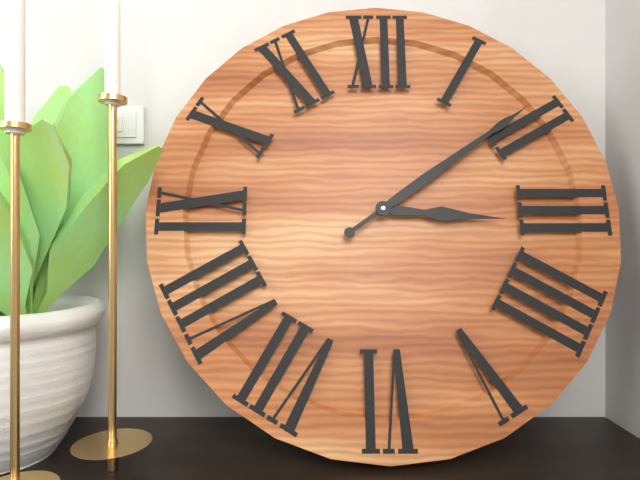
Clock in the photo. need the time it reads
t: 3:09
